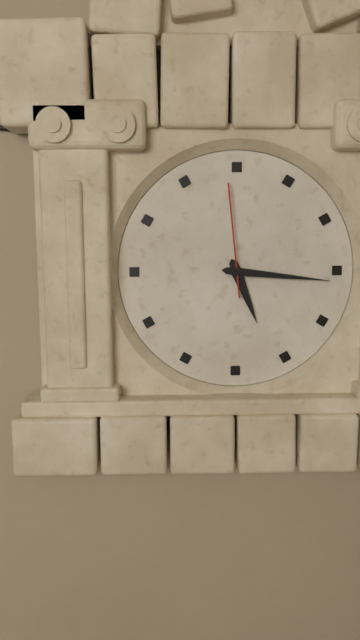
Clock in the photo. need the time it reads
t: 5:16:59
